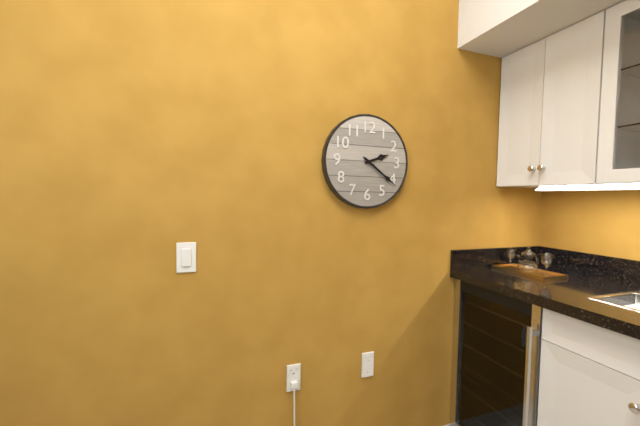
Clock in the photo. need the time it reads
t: 2:21
